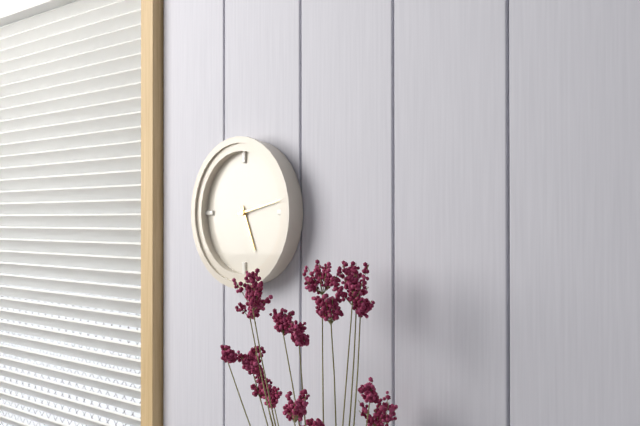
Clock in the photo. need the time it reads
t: 5:13
